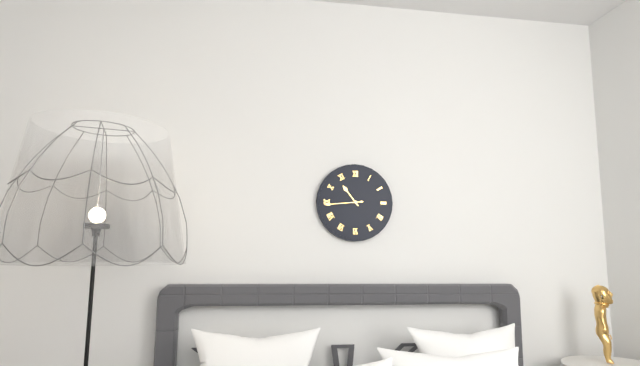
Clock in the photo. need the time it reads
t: 10:44
